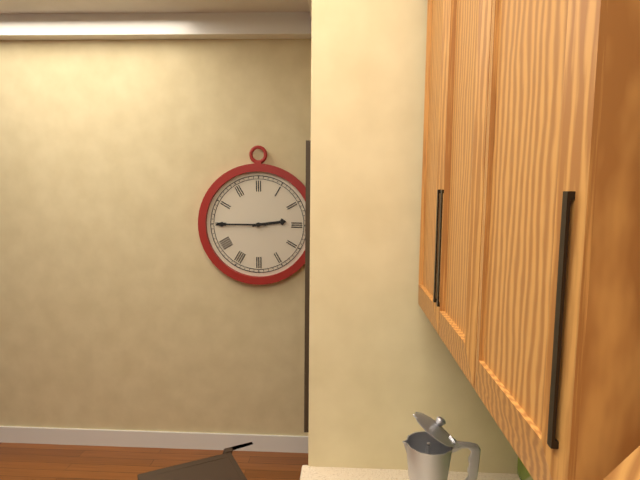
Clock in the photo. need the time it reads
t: 2:45
